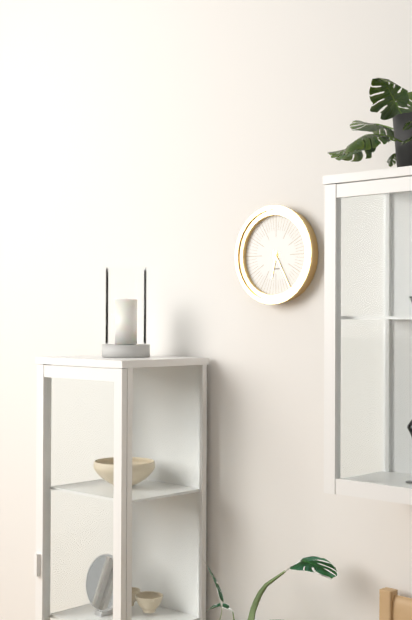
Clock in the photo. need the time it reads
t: 6:25
